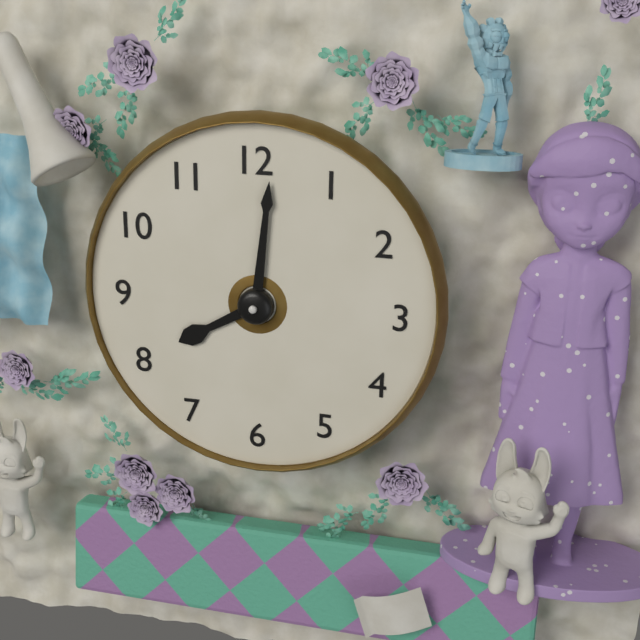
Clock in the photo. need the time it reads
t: 8:01
